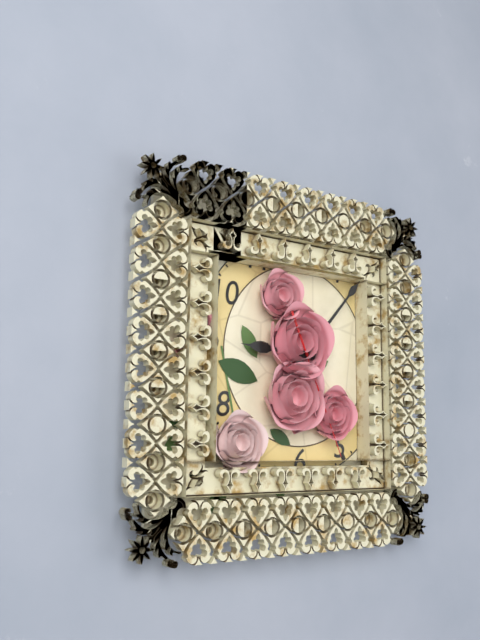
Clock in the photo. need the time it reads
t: 9:07:26
